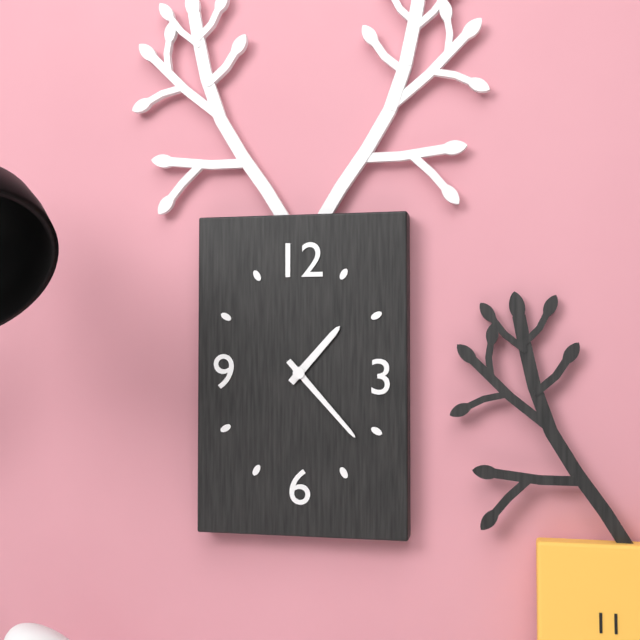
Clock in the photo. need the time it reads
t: 1:23
